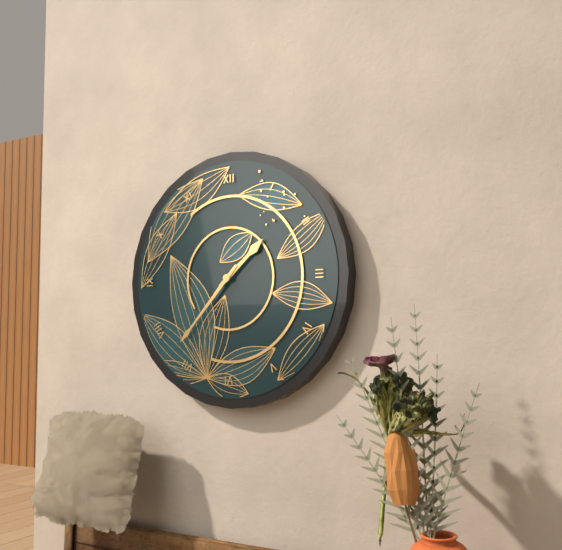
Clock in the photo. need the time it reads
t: 1:37
